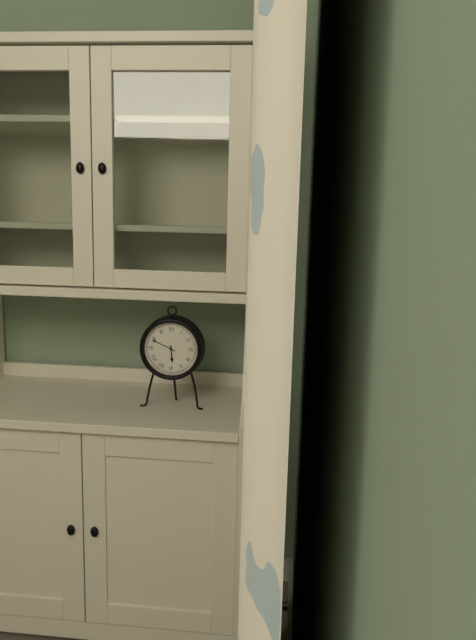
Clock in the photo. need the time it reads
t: 5:49
